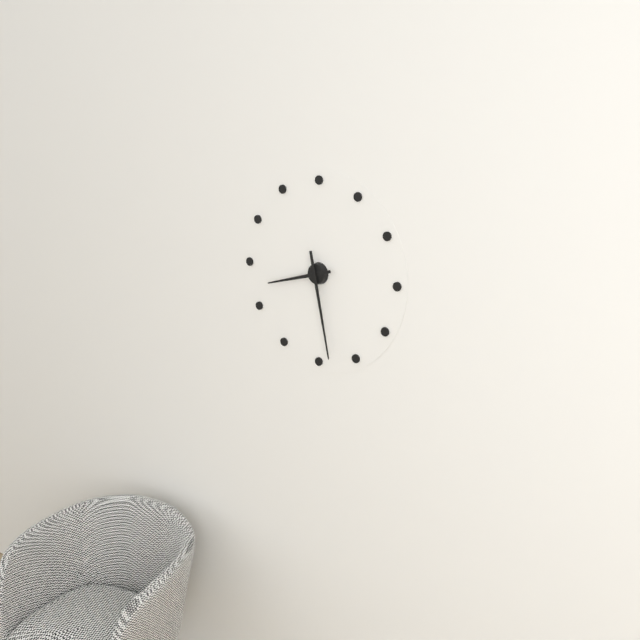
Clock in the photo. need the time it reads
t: 8:28
